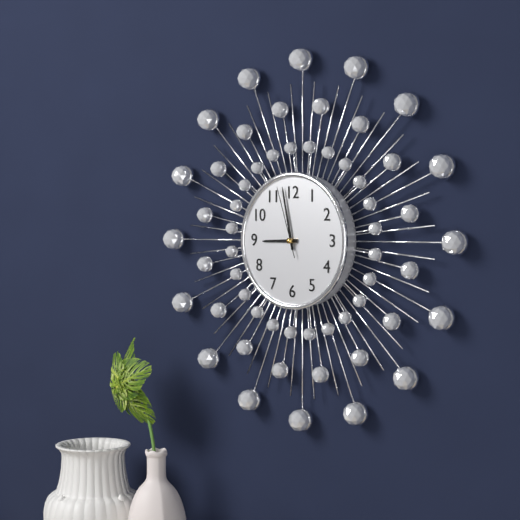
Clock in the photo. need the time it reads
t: 8:58:57
